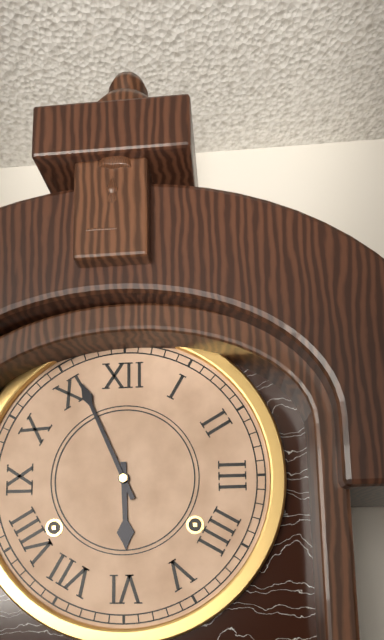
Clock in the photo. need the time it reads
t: 5:56
